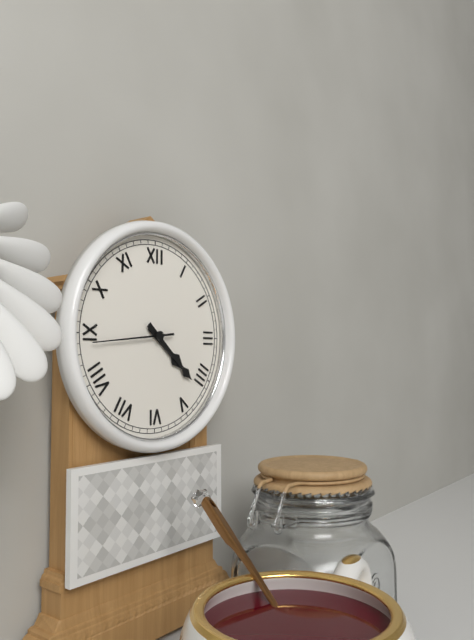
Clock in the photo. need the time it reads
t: 4:22:44
